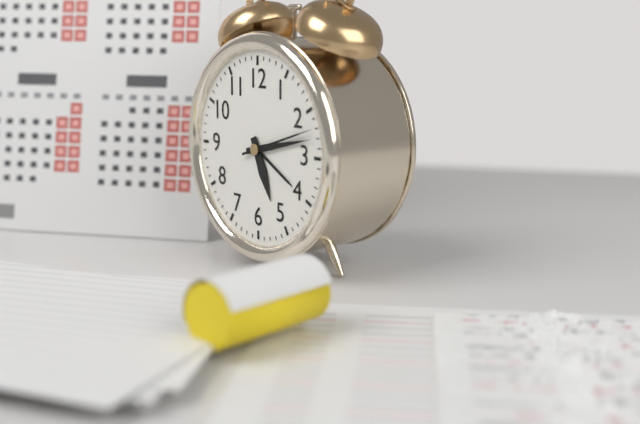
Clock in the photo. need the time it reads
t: 5:13:12
